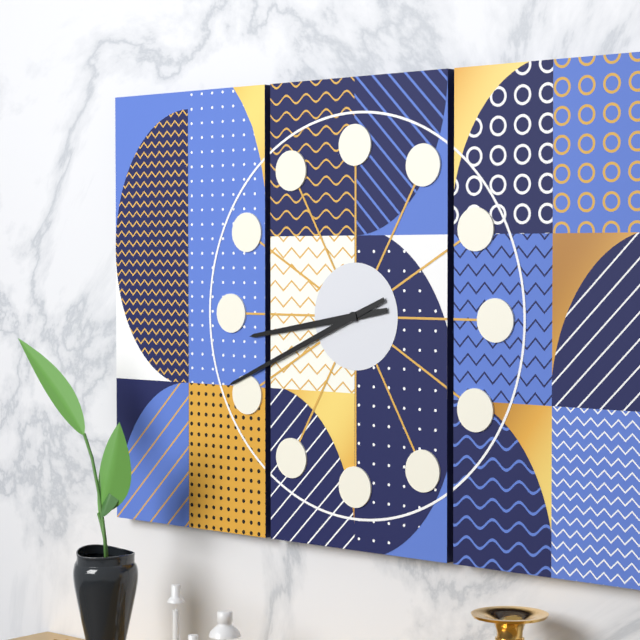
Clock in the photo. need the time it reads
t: 8:41
